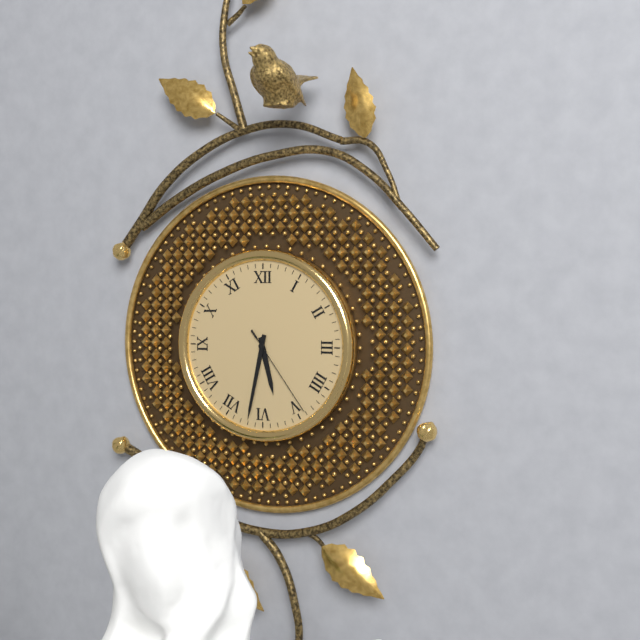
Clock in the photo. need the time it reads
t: 5:32:24
